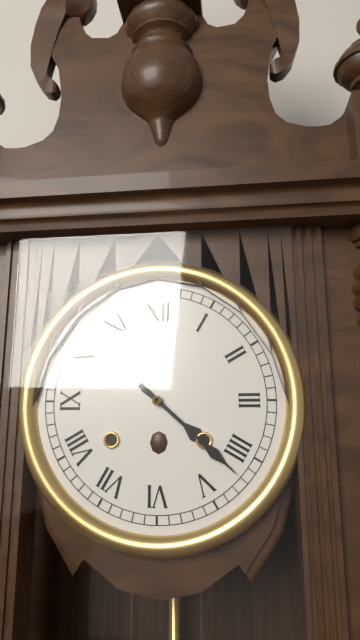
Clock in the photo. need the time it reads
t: 4:22
